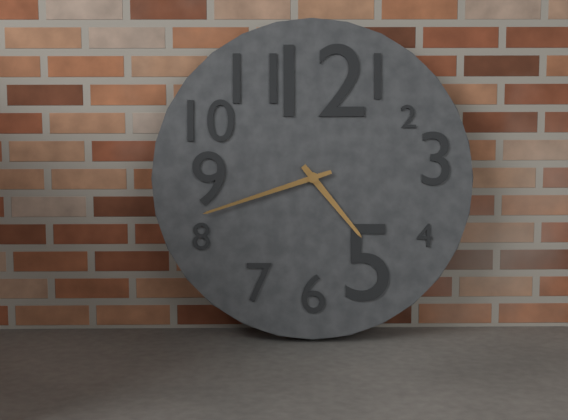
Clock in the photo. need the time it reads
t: 4:42
